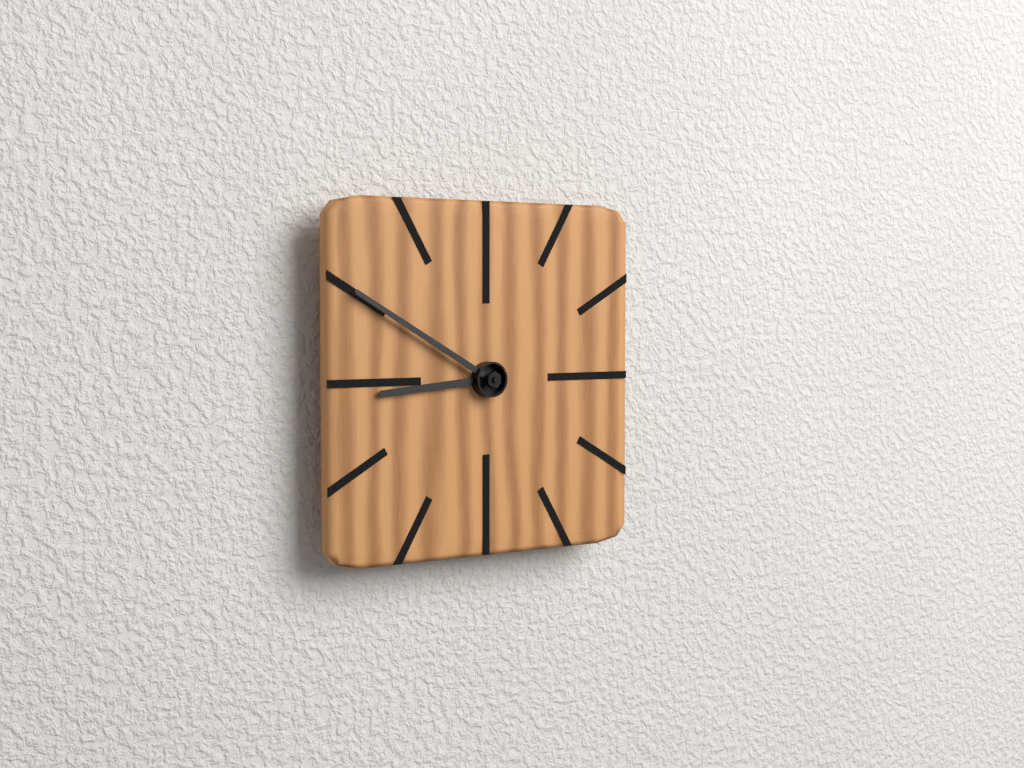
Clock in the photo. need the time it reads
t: 8:50
